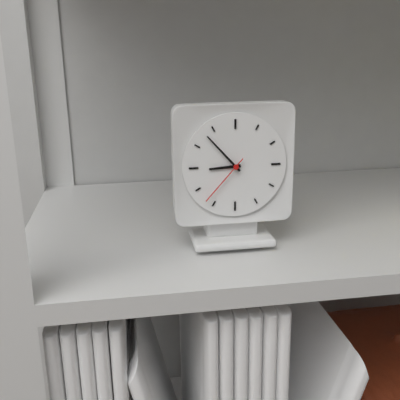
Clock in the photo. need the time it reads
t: 8:53:37
